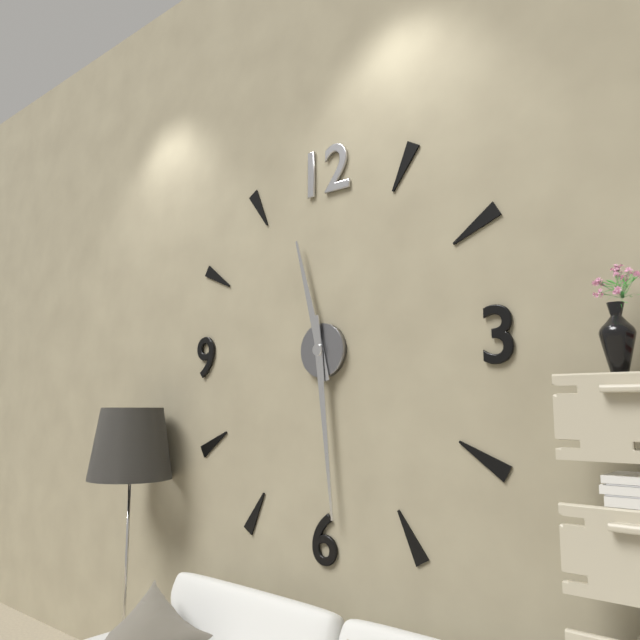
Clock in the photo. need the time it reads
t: 11:29
